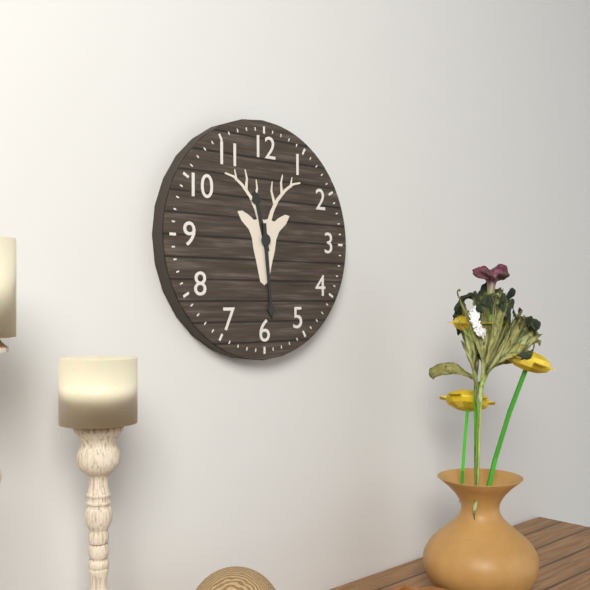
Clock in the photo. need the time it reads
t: 11:29
